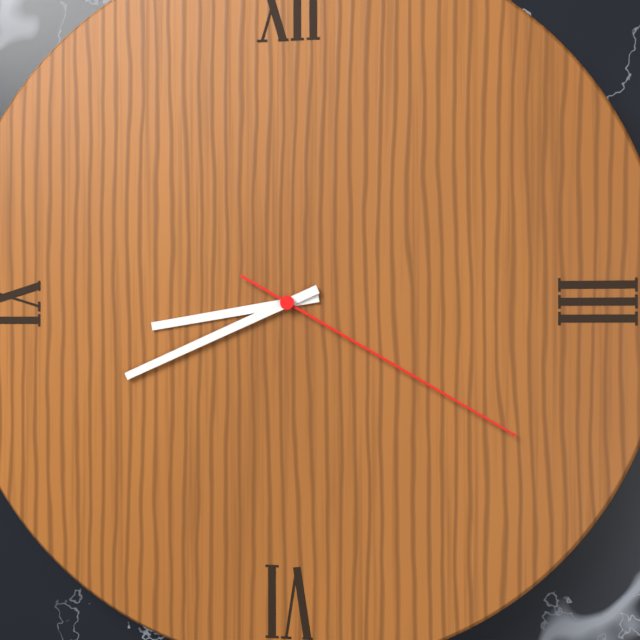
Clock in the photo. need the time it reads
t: 8:41:20
